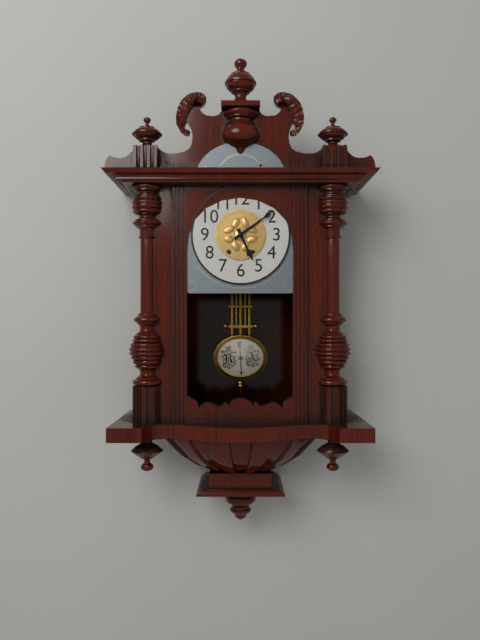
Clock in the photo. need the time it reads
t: 5:09
